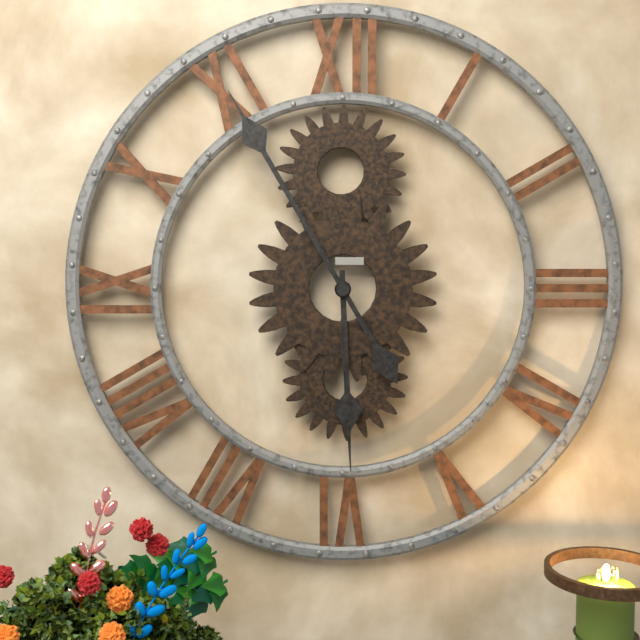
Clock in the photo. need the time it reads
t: 5:55
